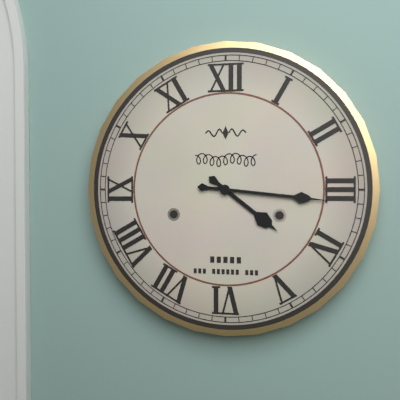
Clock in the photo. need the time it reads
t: 4:16
